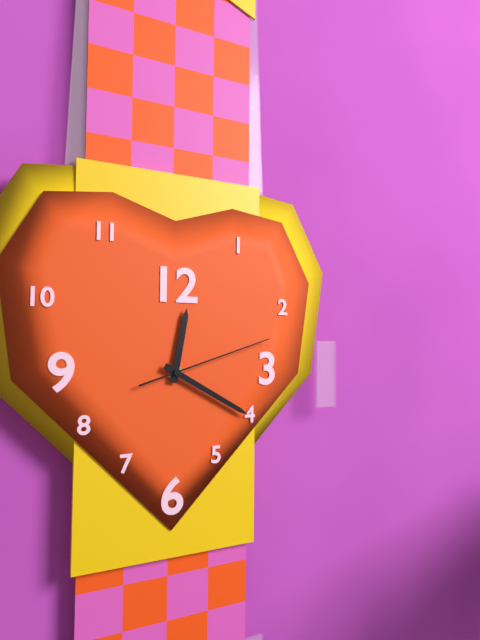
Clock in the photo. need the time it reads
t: 12:20:12
